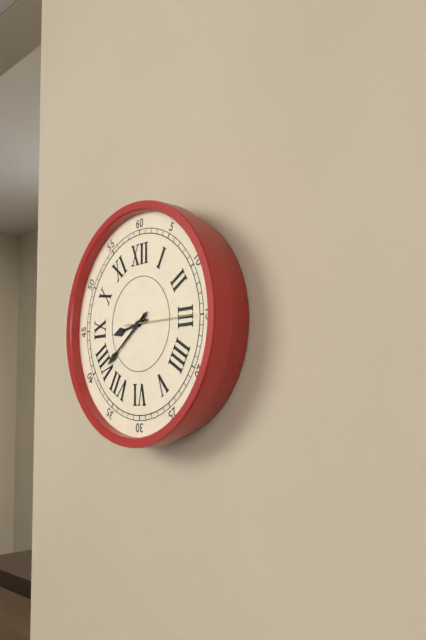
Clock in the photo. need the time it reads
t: 8:39:15
